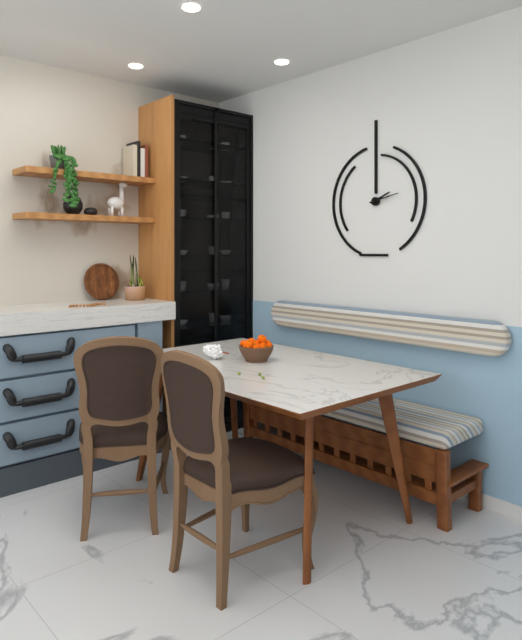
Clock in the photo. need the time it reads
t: 2:13
